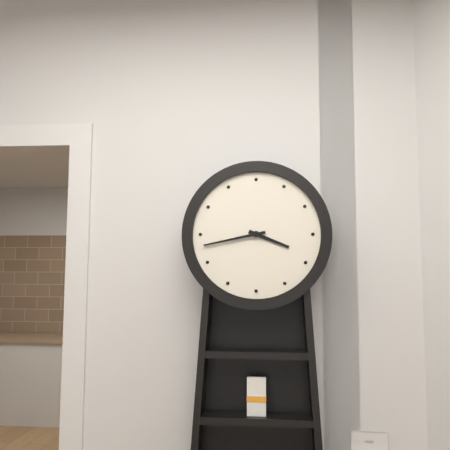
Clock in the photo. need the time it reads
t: 3:43
